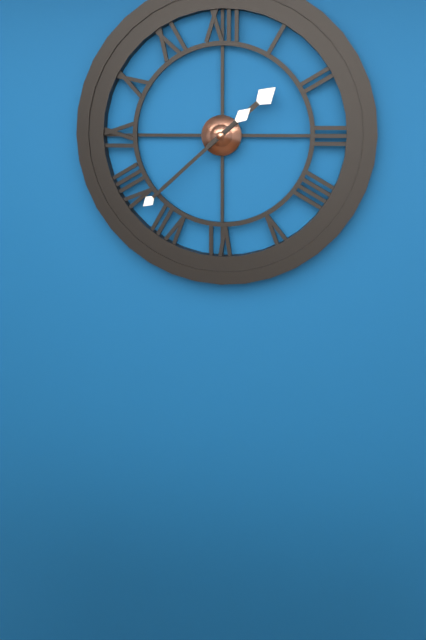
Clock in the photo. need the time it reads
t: 1:38
